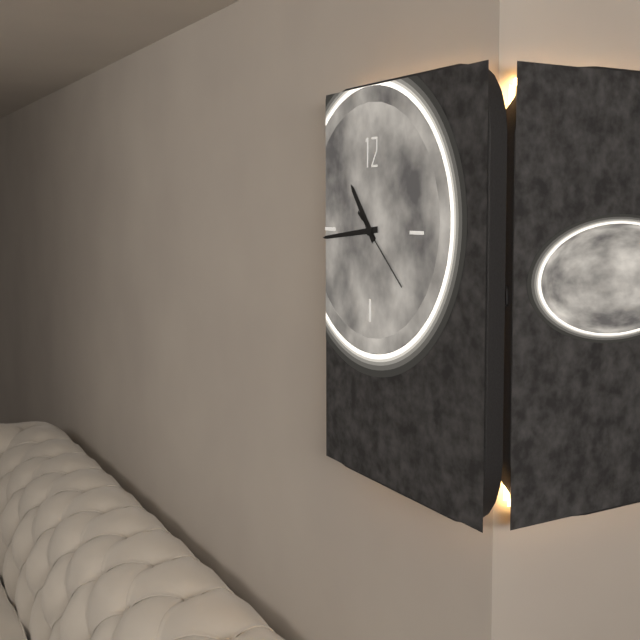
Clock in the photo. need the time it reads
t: 10:44:22
